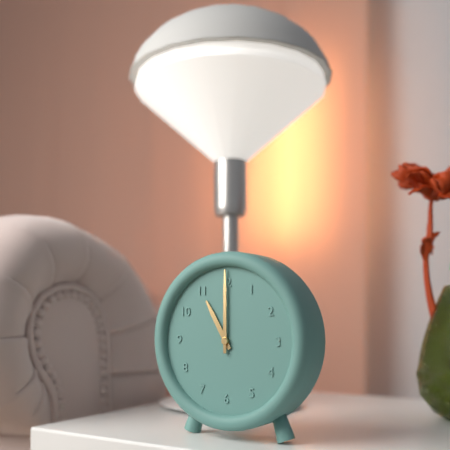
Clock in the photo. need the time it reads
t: 11:00
